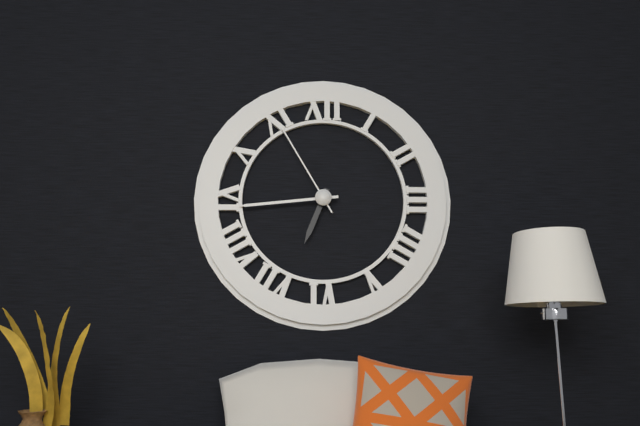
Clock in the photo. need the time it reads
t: 6:44:55
